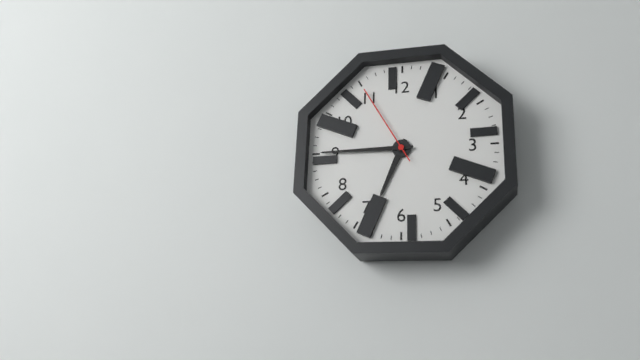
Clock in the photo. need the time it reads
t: 6:45:55
